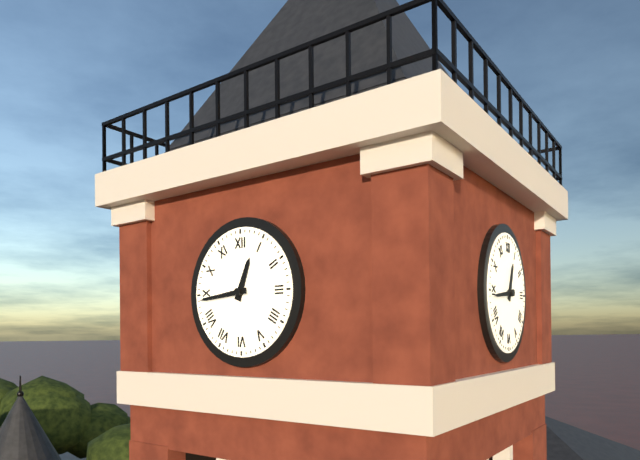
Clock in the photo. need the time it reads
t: 12:44
